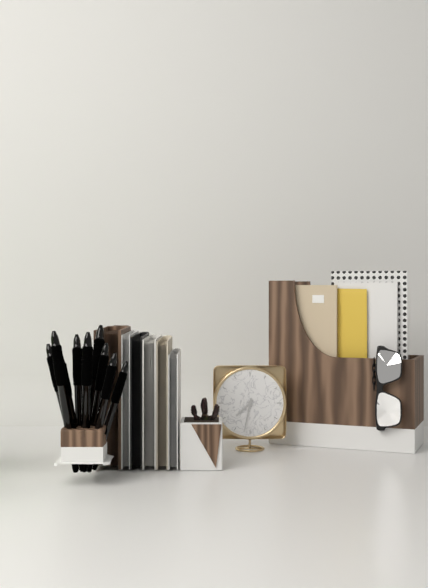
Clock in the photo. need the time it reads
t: 7:32
